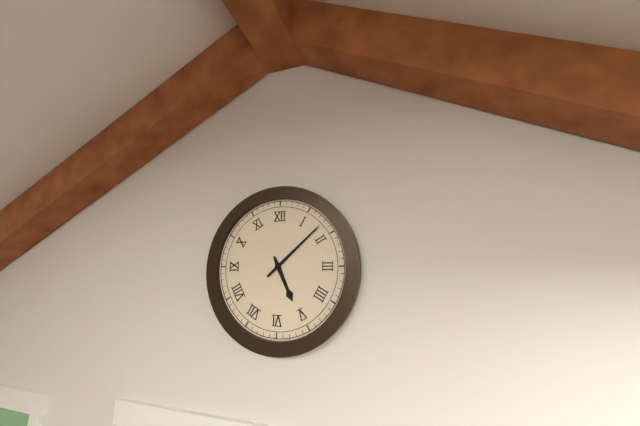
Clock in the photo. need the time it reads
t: 5:08
